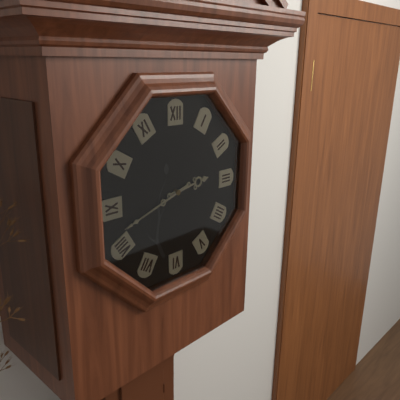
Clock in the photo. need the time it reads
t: 2:42
